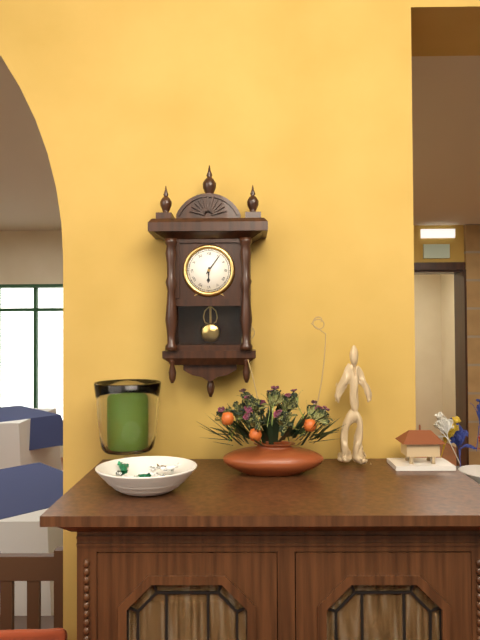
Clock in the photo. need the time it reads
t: 6:06
